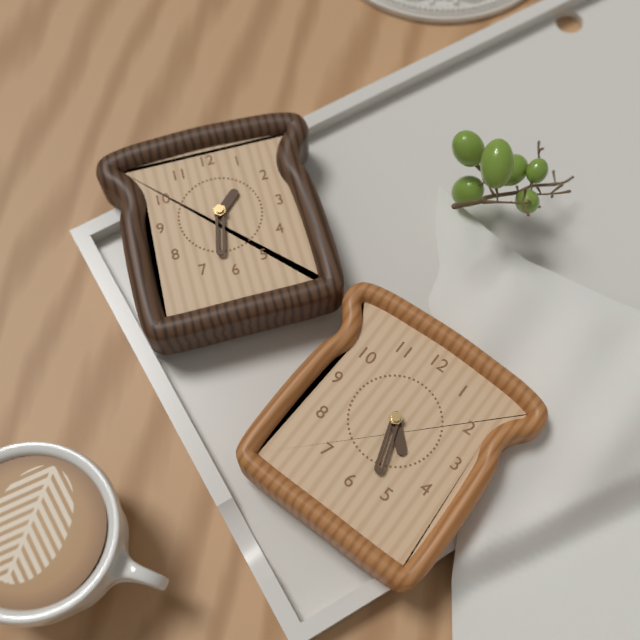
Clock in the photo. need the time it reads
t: 4:27
